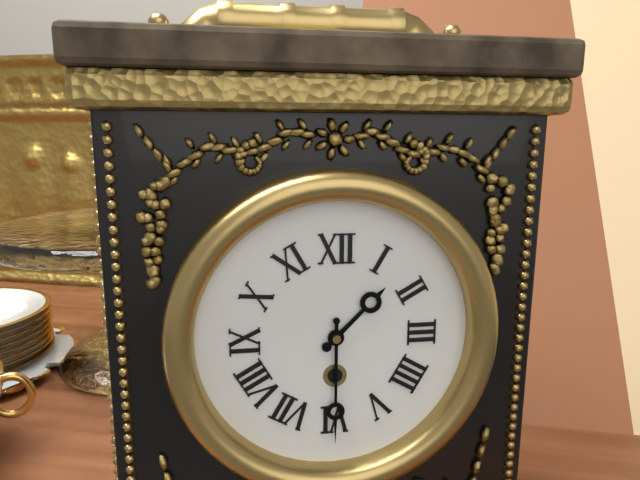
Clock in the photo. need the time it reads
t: 1:30
